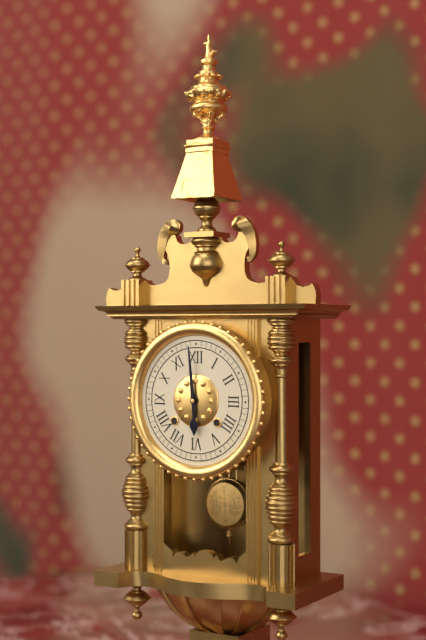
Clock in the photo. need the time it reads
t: 5:59
